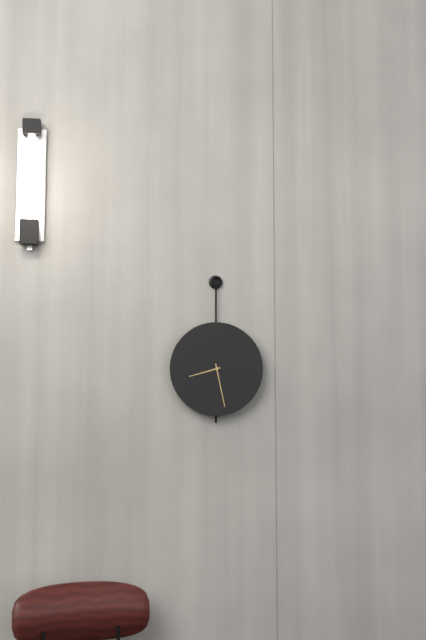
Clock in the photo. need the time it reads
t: 8:28
